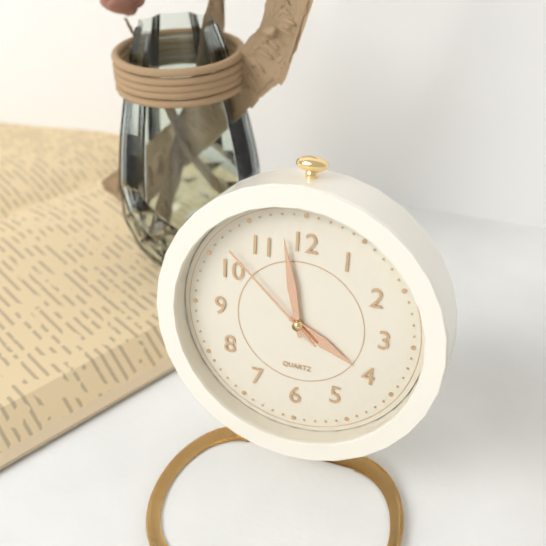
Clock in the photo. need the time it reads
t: 3:58:52
